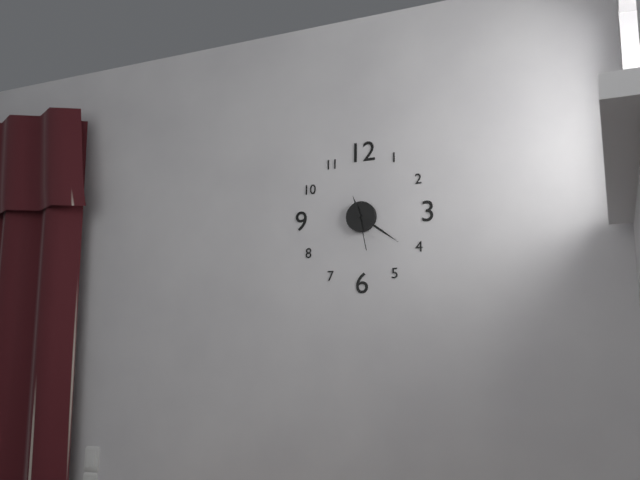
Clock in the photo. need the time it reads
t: 11:21
